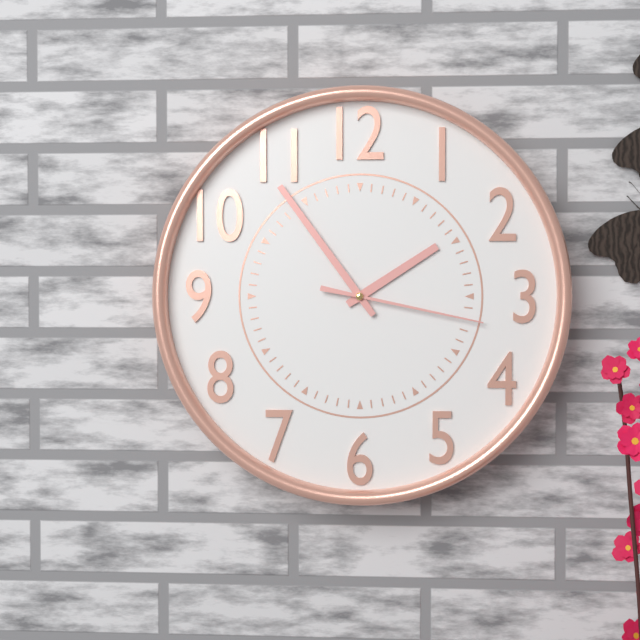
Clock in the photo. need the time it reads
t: 1:54:17
